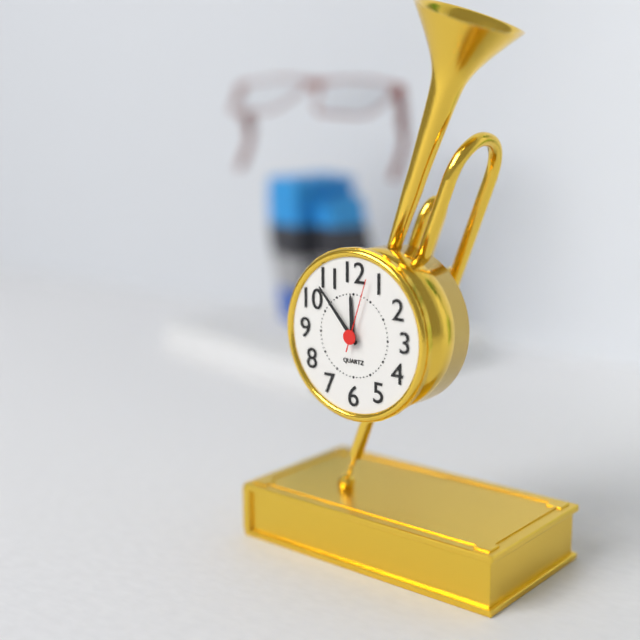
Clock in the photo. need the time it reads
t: 11:53:03
